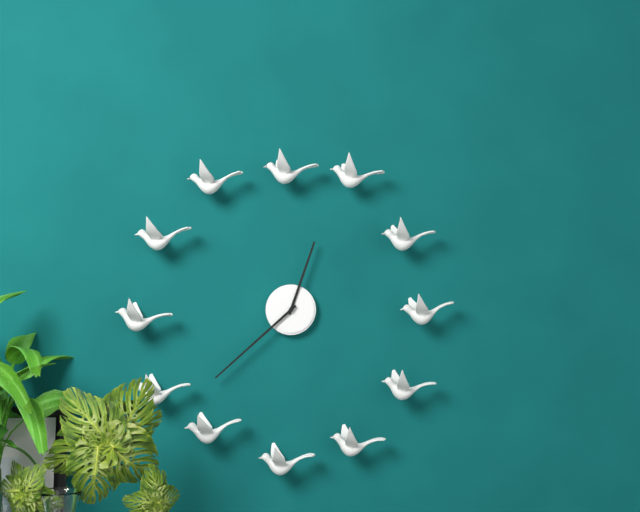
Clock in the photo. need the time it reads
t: 12:38
